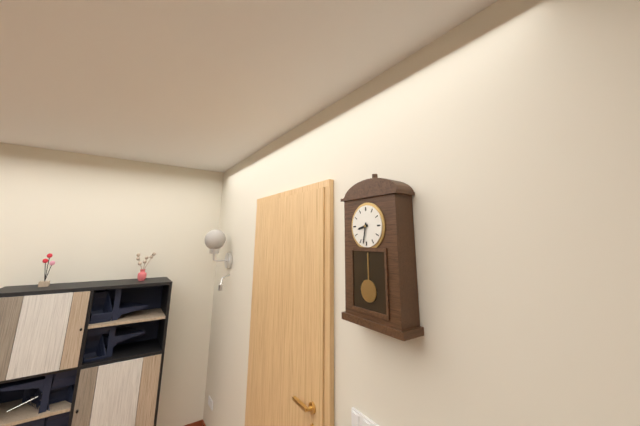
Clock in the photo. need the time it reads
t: 8:32
